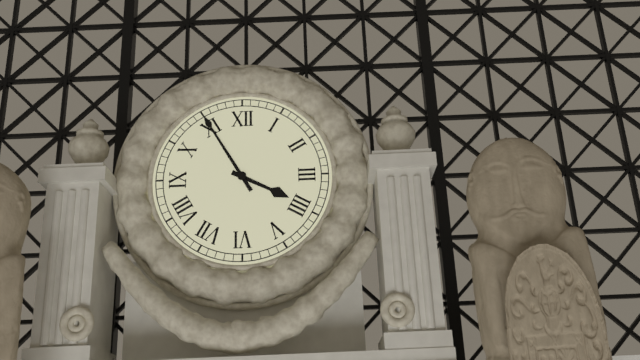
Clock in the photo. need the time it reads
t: 3:55
